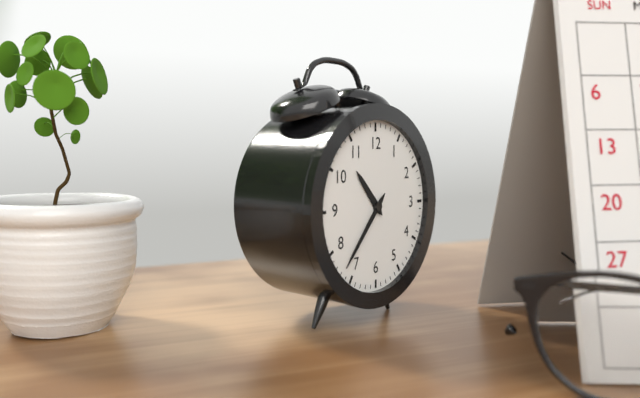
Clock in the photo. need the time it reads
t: 10:37
